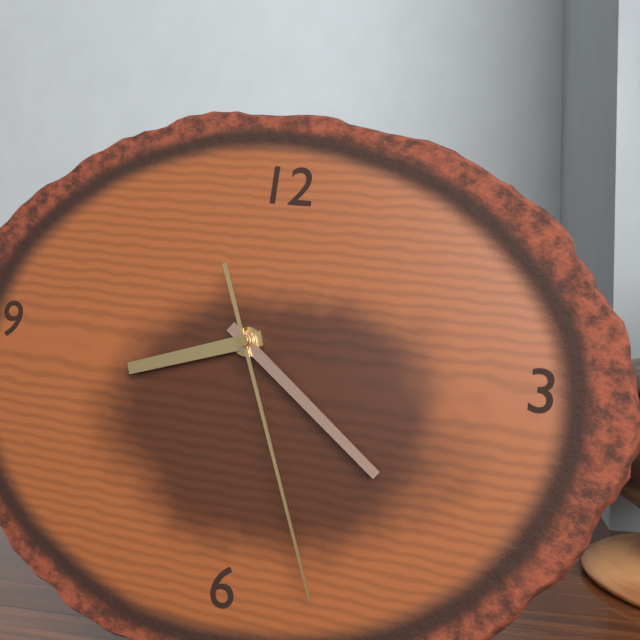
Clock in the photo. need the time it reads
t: 8:21:26
